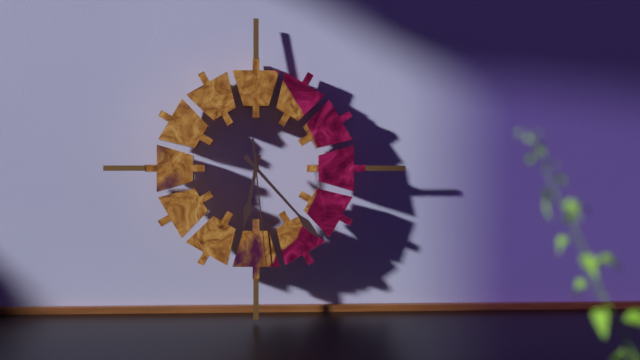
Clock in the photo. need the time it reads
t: 6:23:29
